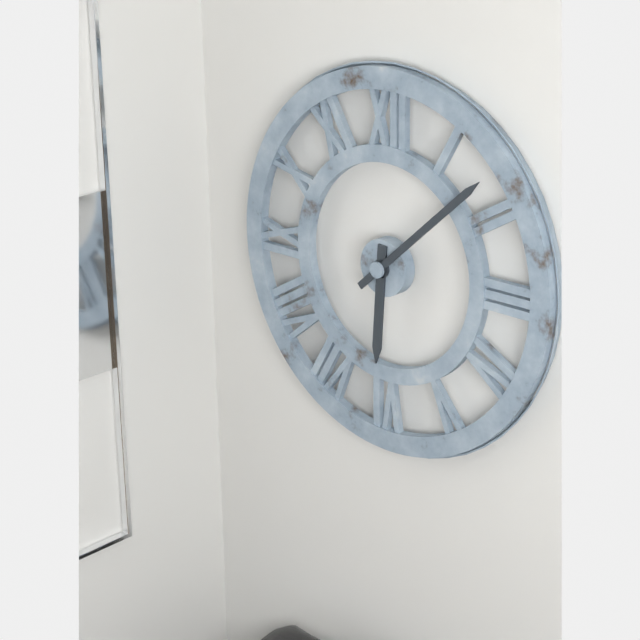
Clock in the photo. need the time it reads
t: 6:08
